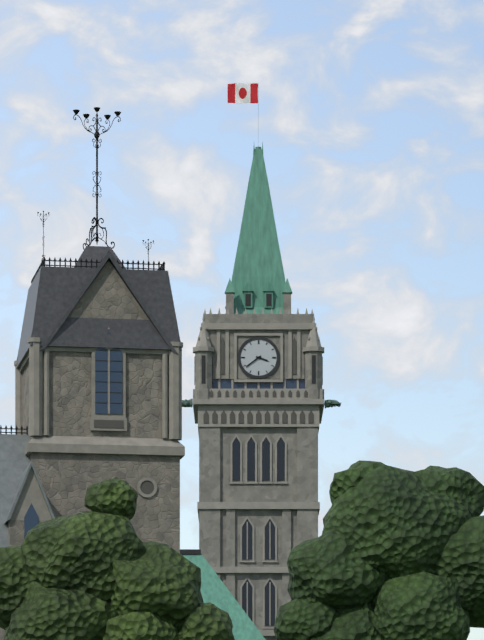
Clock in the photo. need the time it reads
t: 3:39
